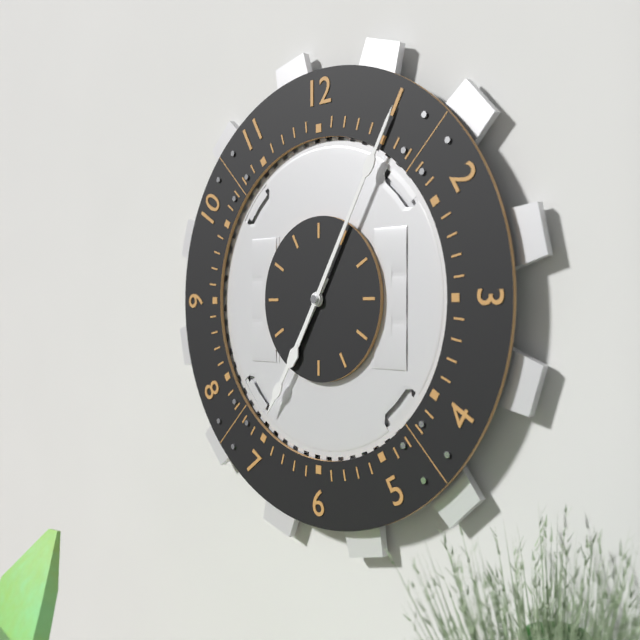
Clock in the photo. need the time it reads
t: 7:05
